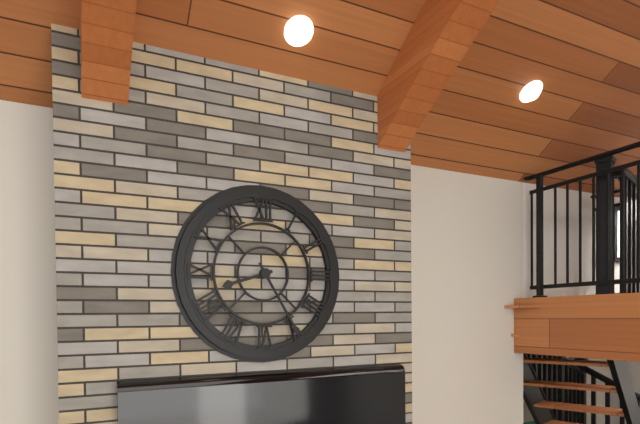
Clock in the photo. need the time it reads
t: 8:25
